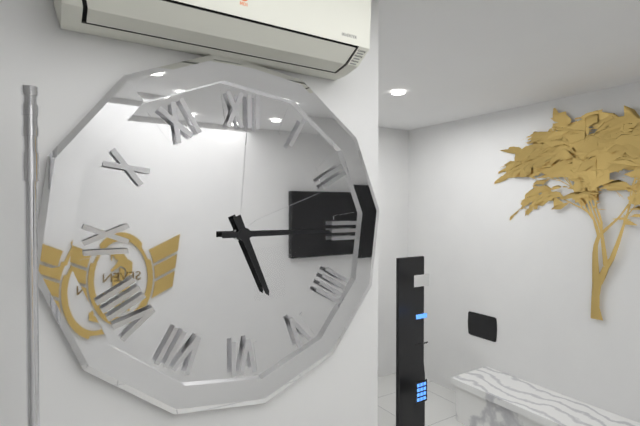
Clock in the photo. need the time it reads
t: 5:15
